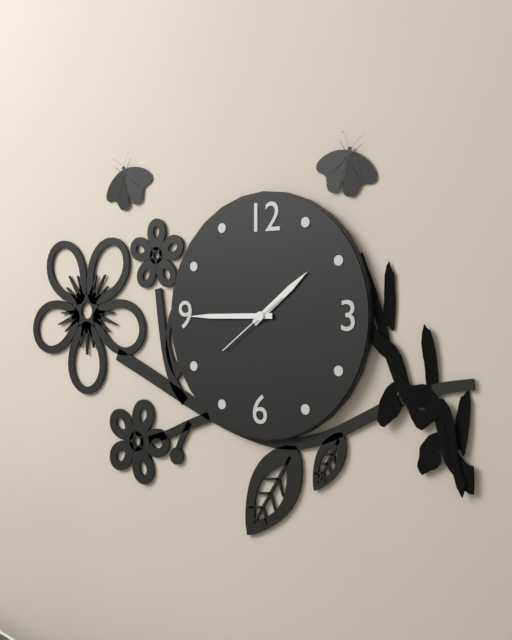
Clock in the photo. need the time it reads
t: 1:45:39
